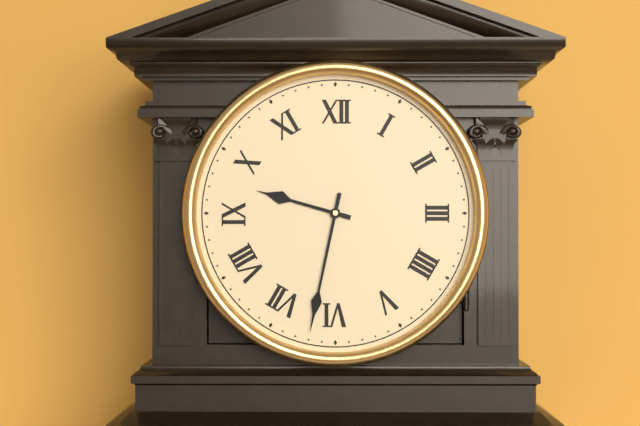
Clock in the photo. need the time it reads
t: 9:32
